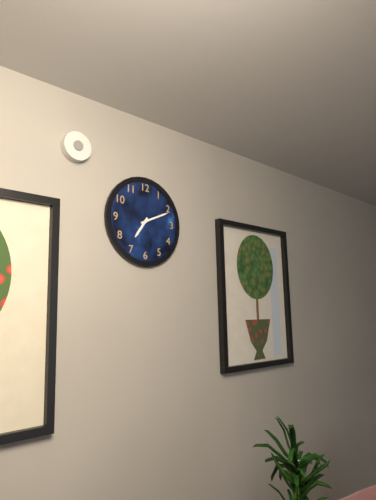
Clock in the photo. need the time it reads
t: 7:11
